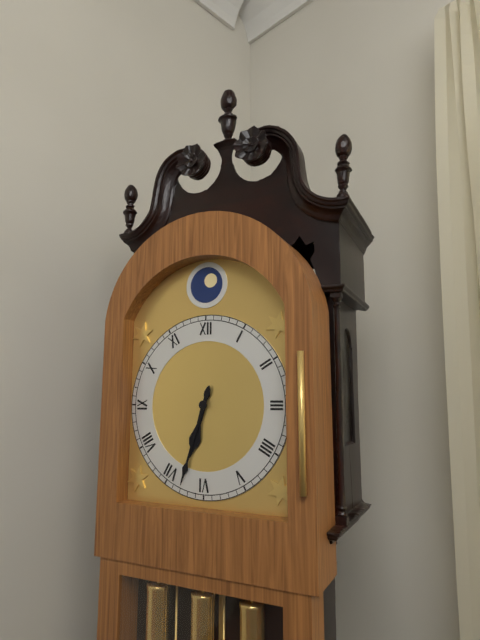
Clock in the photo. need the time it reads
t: 6:33
